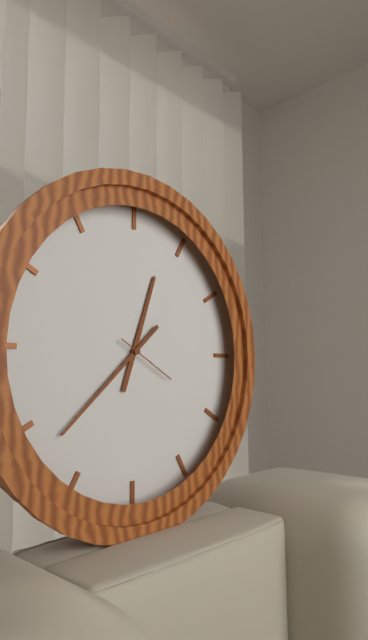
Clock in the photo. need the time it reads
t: 12:38:20
